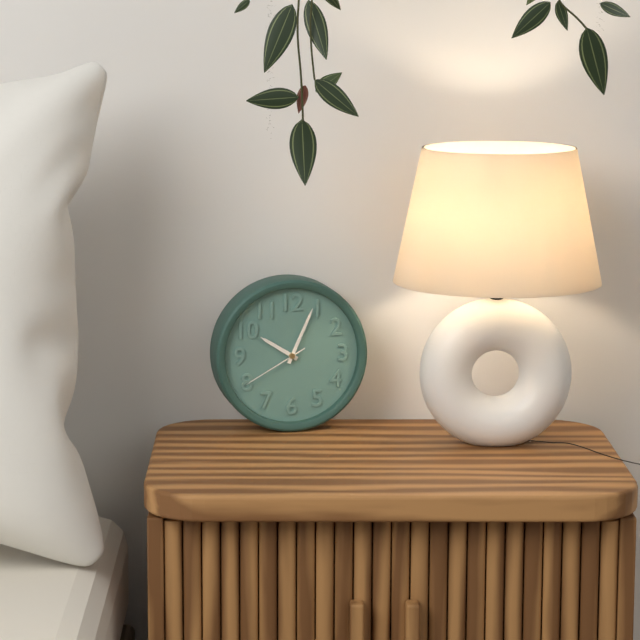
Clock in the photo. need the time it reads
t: 10:04:40
